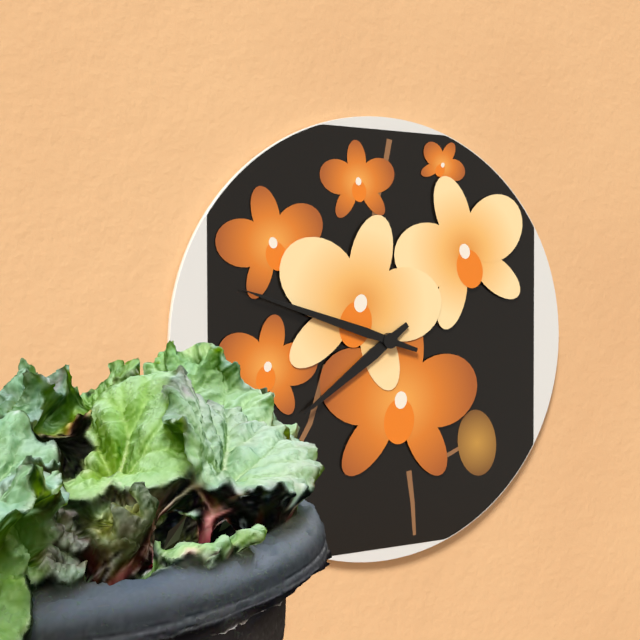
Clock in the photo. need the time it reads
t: 7:48
